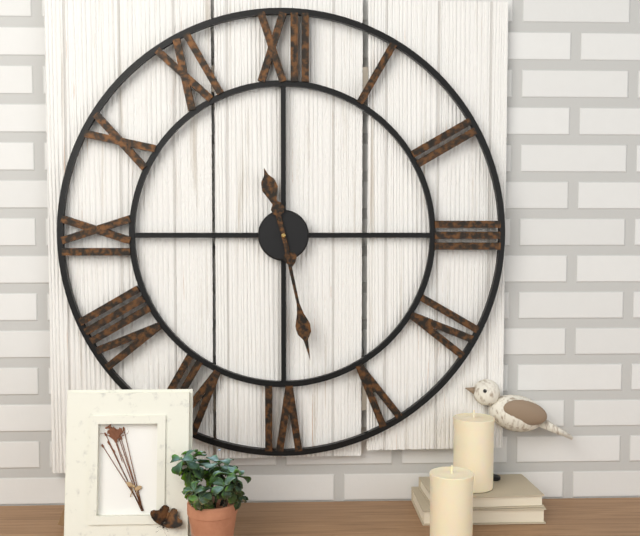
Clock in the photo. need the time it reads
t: 11:28
